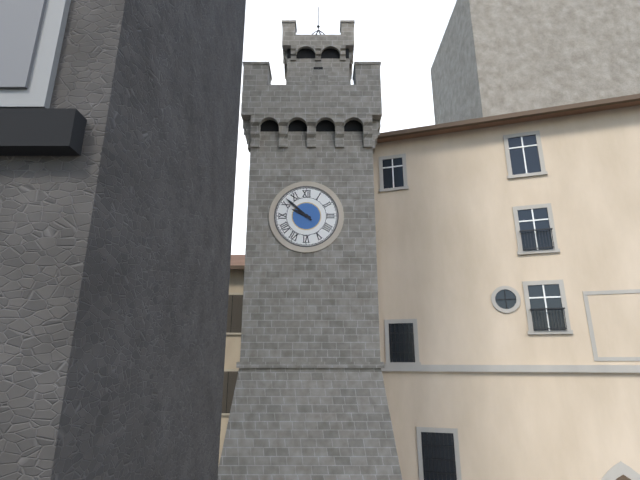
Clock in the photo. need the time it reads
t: 9:52
